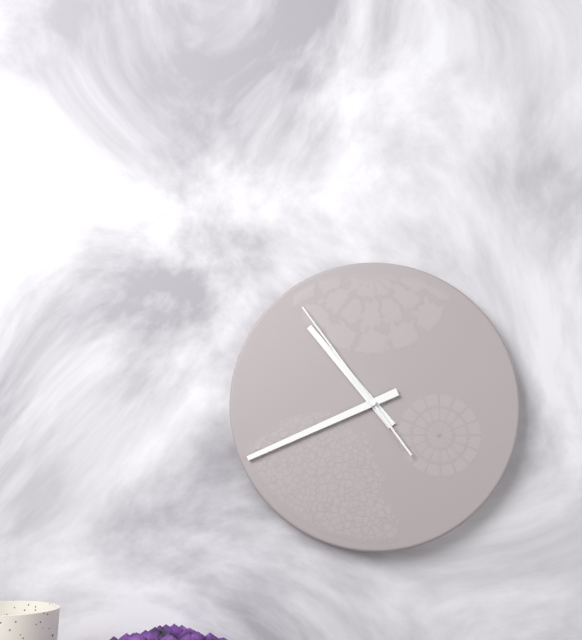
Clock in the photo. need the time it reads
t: 10:41:54
